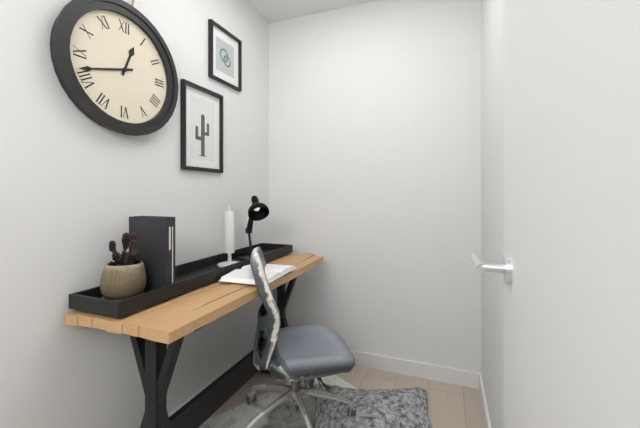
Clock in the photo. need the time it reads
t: 12:42
